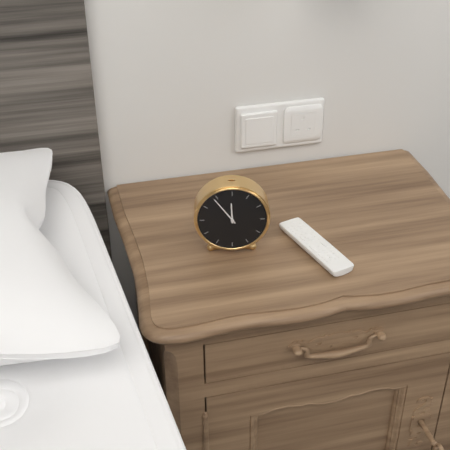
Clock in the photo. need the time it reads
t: 11:54
